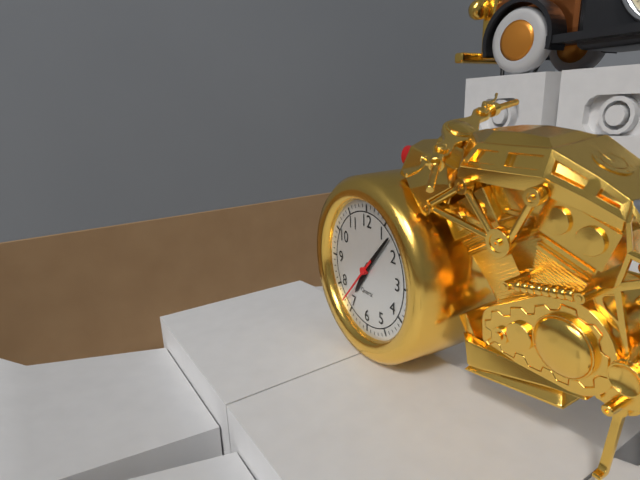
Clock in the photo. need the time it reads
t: 7:07
